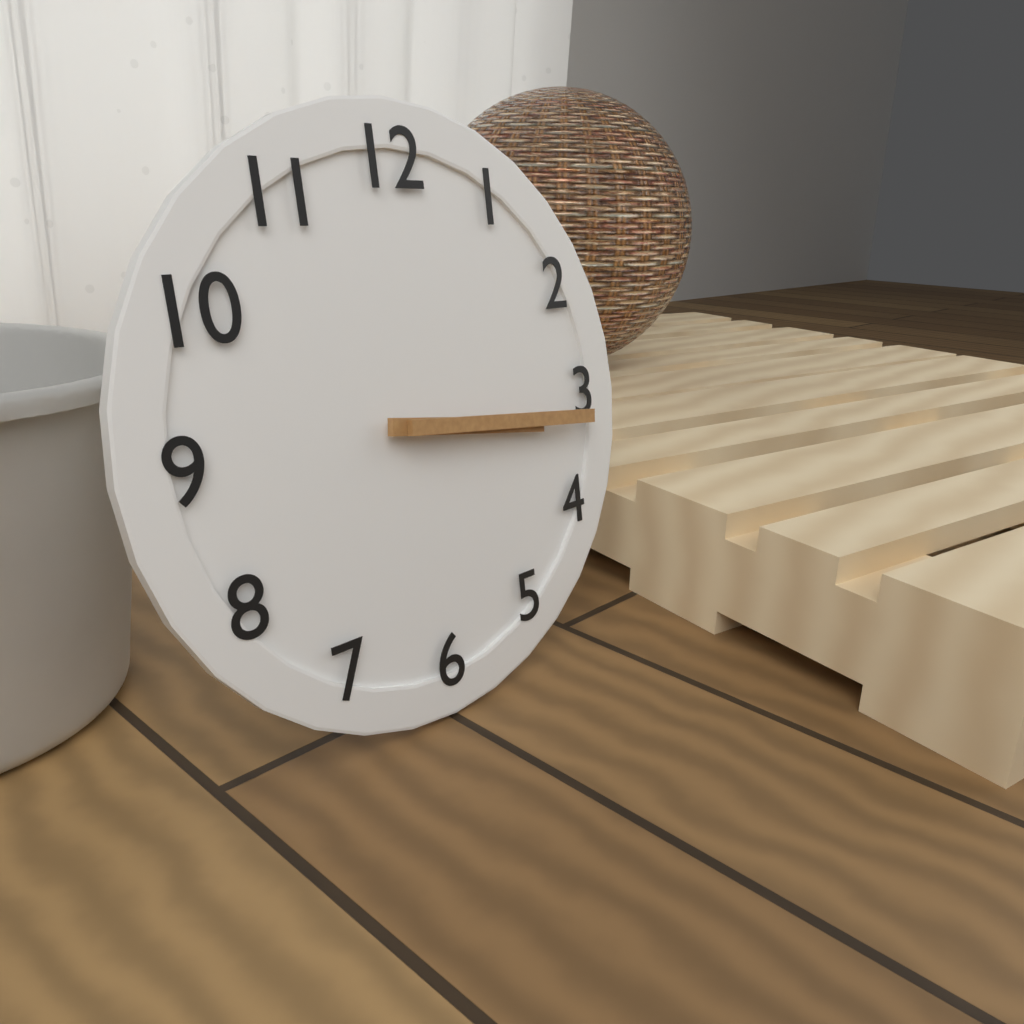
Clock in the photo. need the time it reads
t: 3:16
